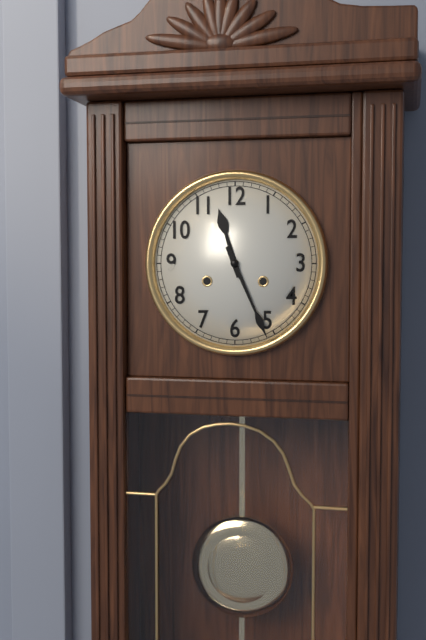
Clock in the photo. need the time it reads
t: 11:26
